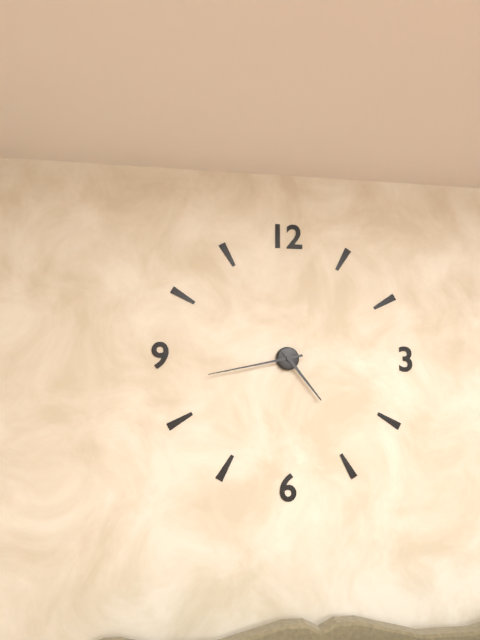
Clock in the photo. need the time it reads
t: 4:43
